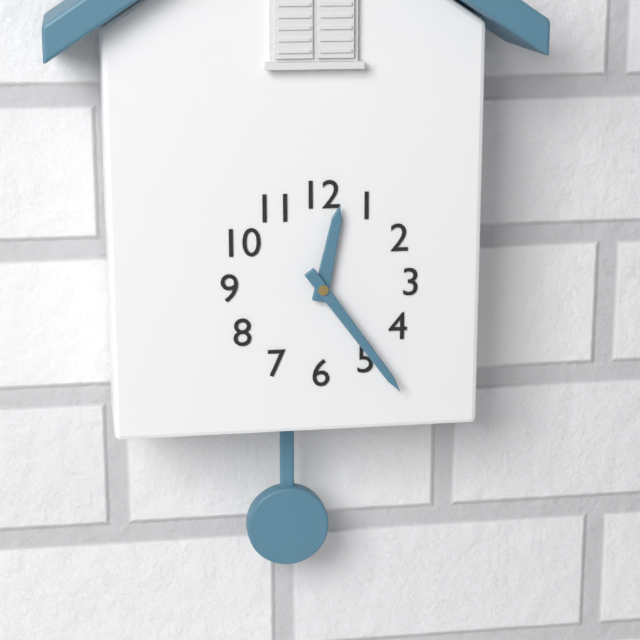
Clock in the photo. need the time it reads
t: 12:24
